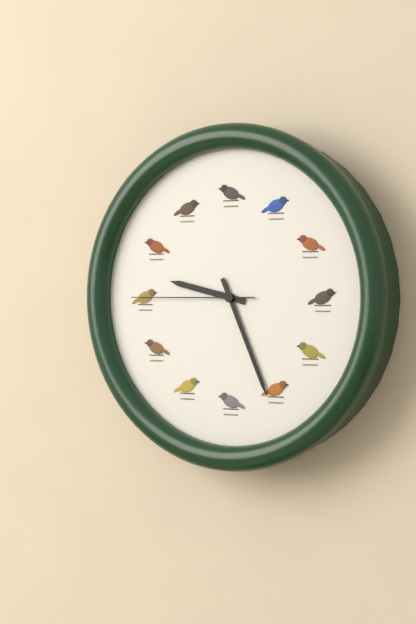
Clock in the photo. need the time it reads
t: 9:26:45
